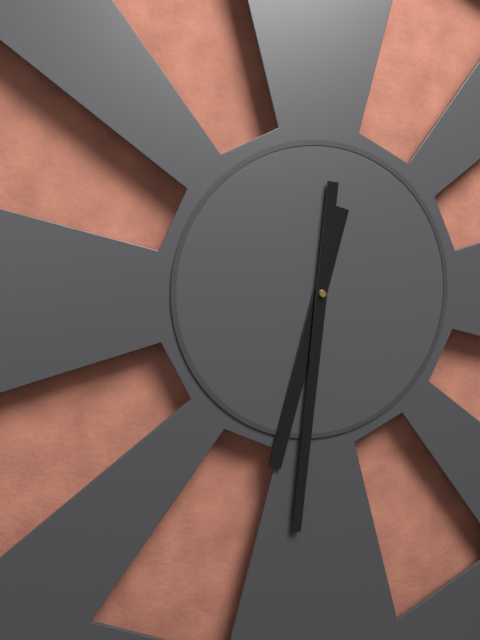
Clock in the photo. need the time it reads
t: 6:31
